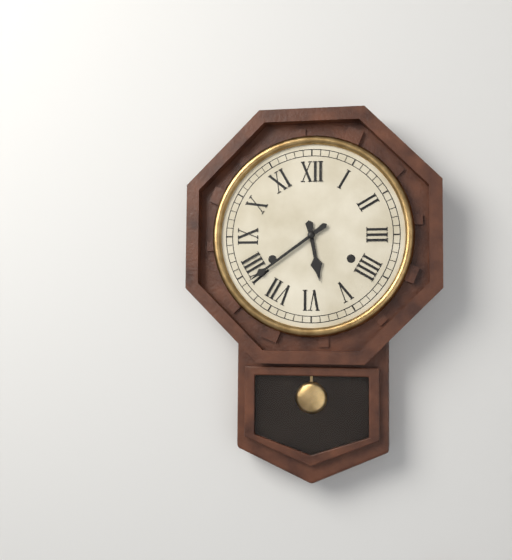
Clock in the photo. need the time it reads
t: 5:39
